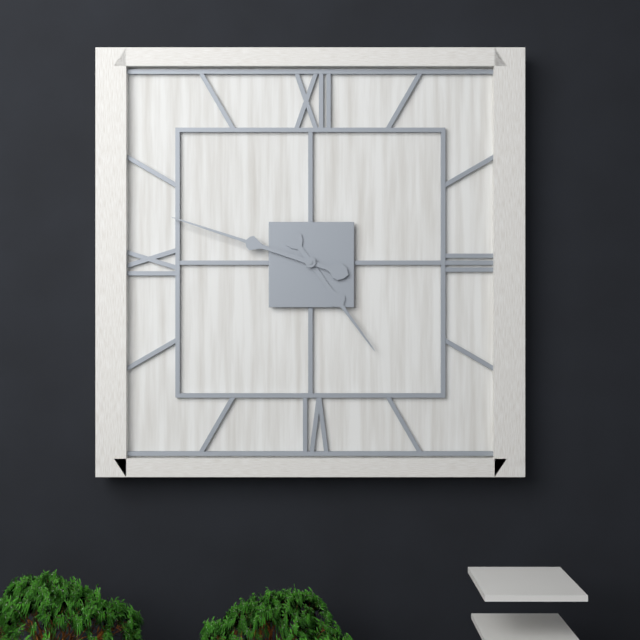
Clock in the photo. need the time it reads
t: 4:48
